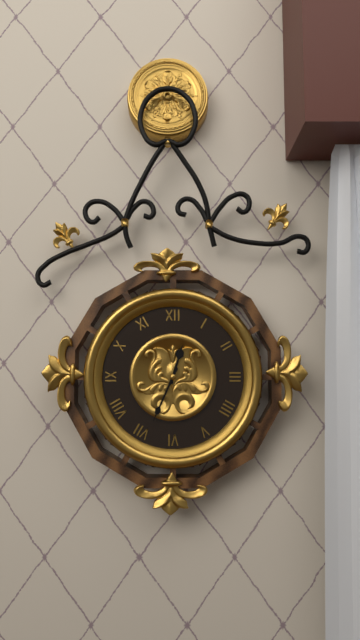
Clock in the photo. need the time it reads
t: 12:34
